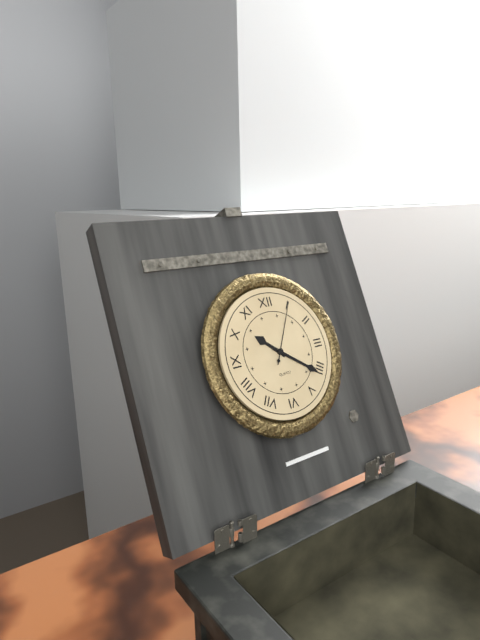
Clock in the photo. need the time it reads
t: 10:21:05
